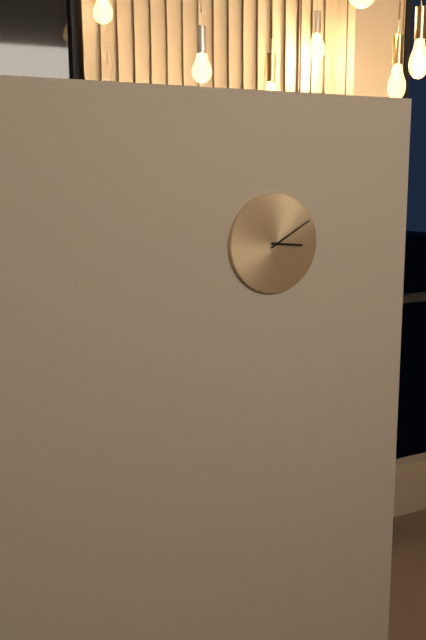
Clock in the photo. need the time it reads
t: 3:10
